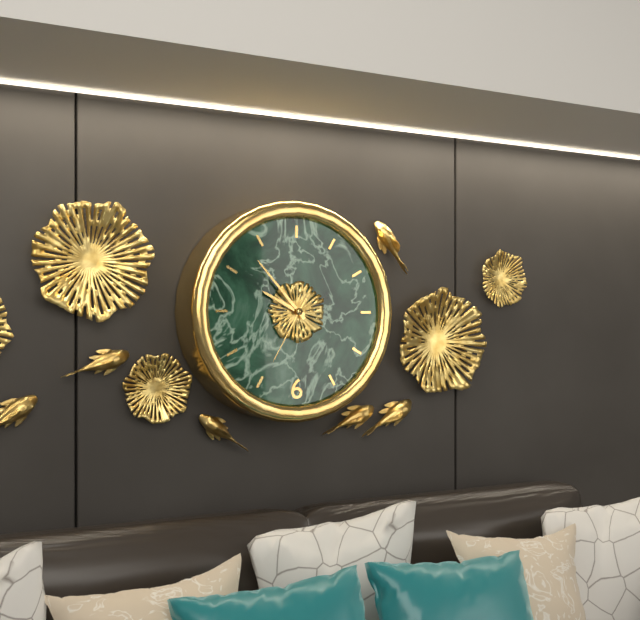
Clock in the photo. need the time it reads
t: 9:53:35
